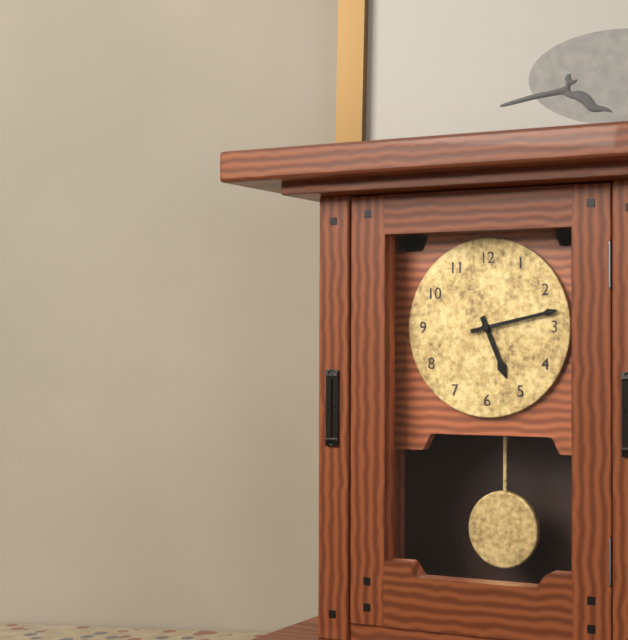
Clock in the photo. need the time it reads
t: 5:13
